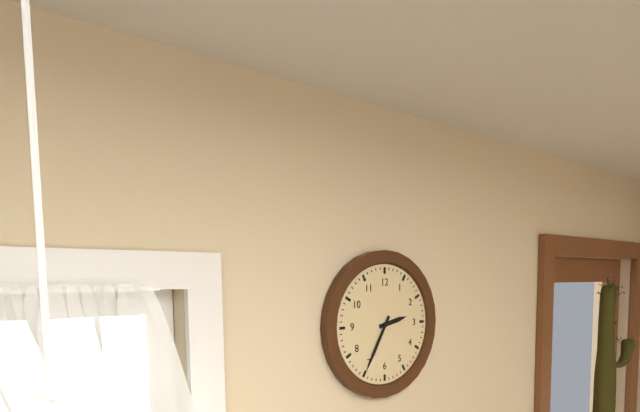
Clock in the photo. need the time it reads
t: 2:35
